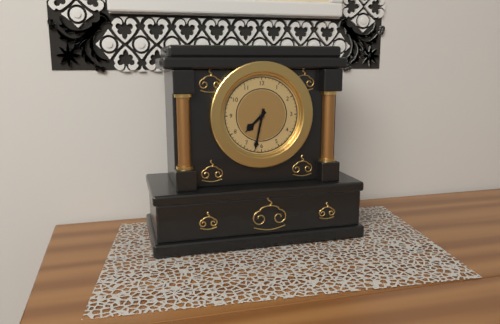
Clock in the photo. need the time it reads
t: 7:32
